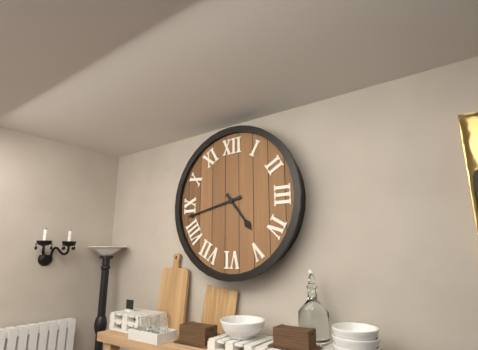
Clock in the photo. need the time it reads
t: 4:43
